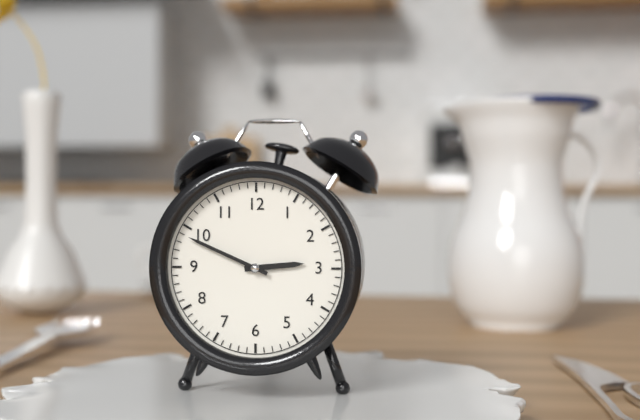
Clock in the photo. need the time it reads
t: 2:49
